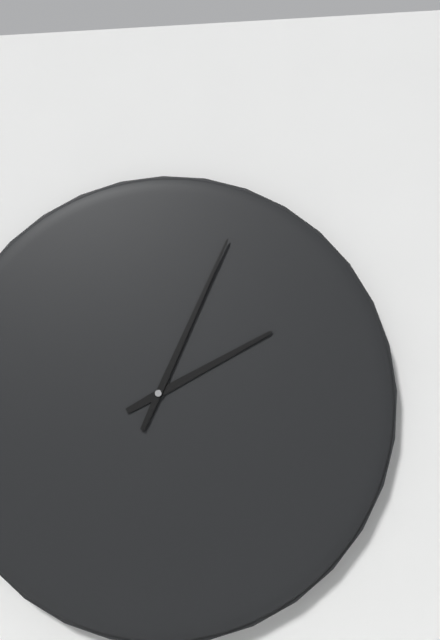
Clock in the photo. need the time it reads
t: 2:04
